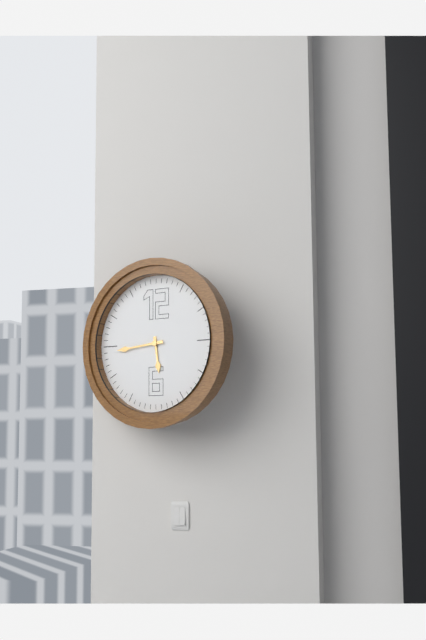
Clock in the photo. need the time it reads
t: 5:44
